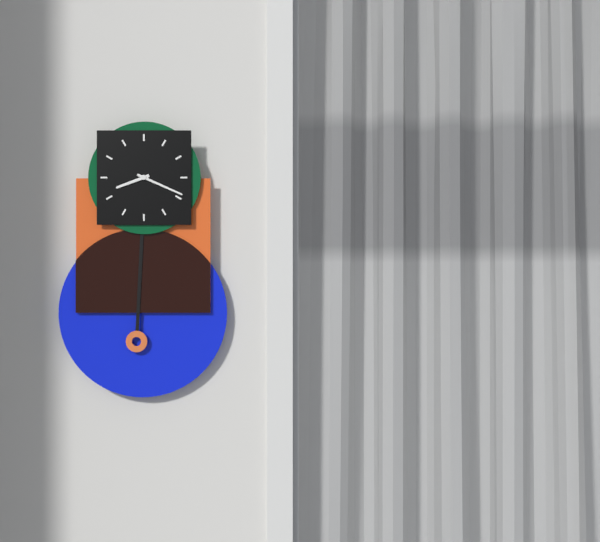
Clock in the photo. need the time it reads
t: 8:19
